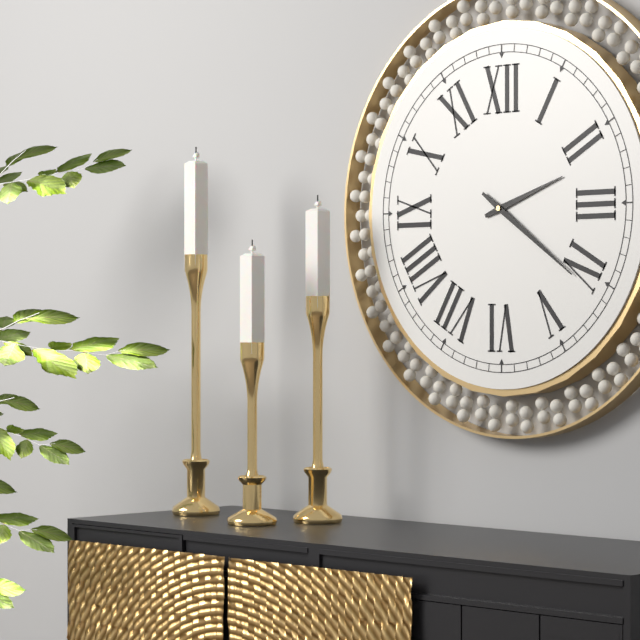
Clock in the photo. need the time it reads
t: 2:21
